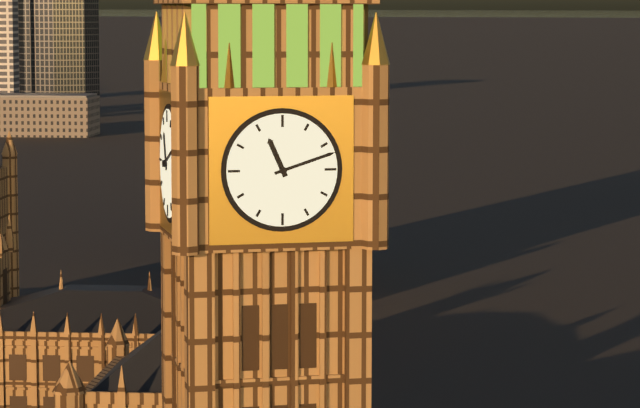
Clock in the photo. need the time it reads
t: 11:12
